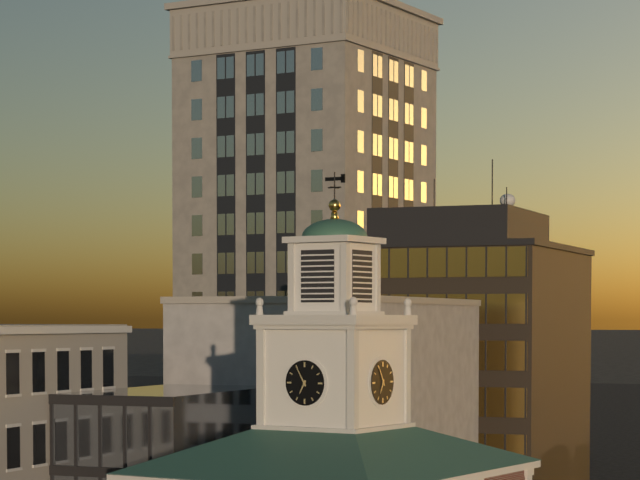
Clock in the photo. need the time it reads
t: 6:55
